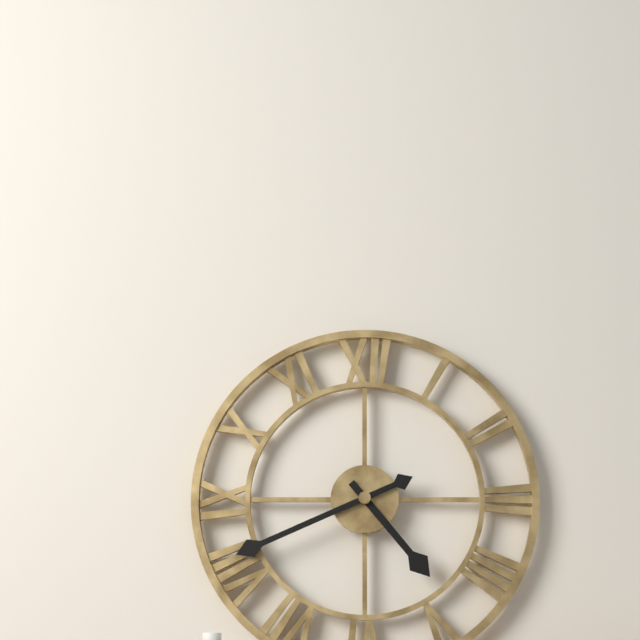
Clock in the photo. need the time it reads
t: 4:41
